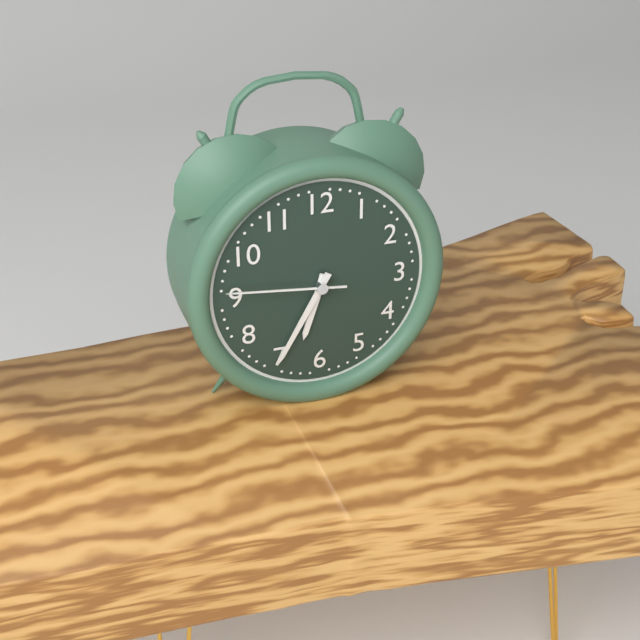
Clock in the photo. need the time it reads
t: 6:35:46
